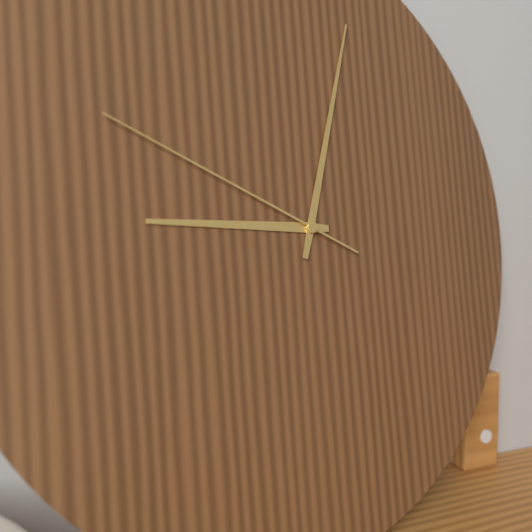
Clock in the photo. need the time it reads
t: 9:03:49
